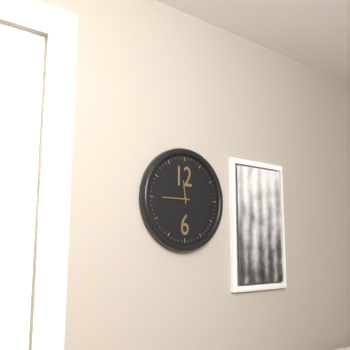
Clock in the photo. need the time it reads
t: 11:45
